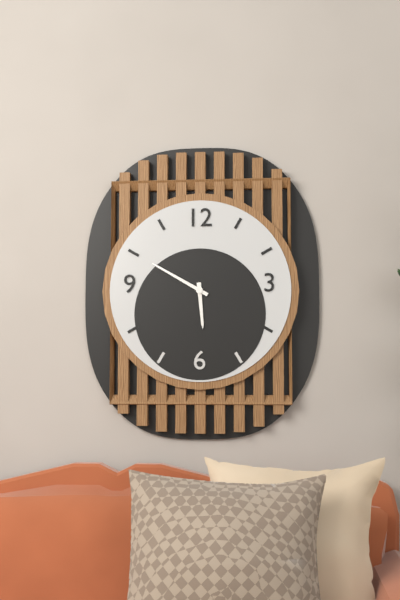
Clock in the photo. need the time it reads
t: 5:50
